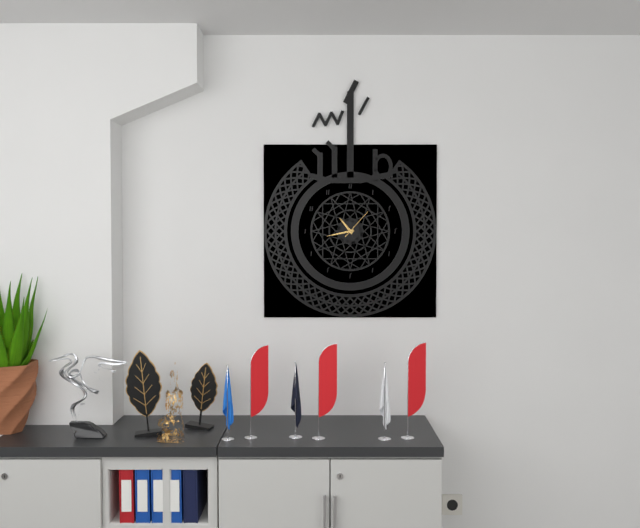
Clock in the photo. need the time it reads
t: 10:43
